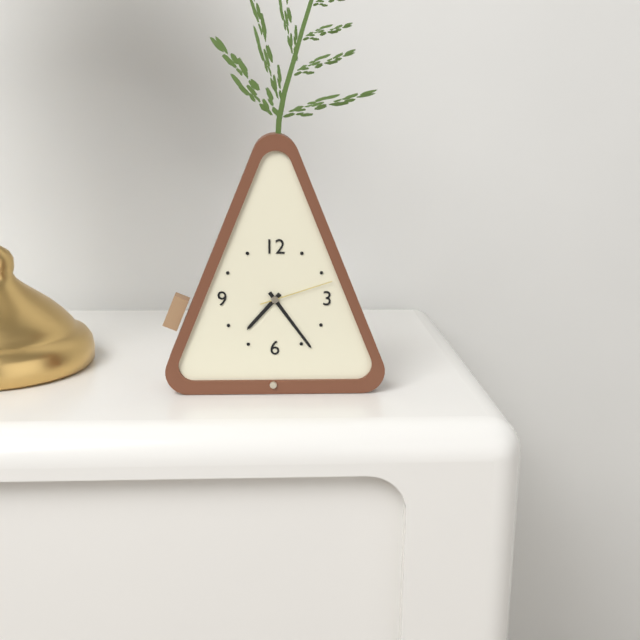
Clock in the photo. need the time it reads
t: 7:24:12
